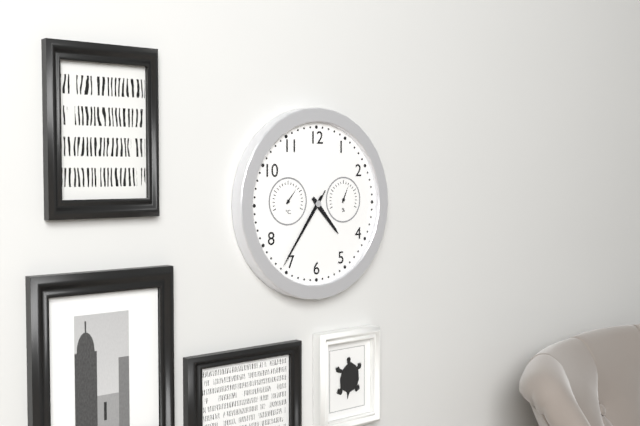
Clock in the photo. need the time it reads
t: 4:36:36
